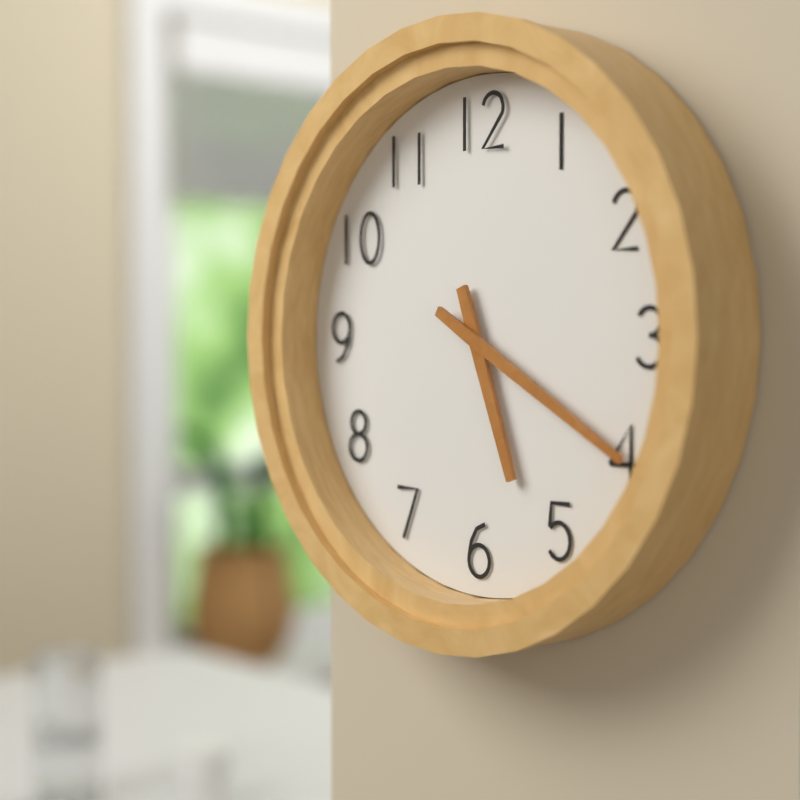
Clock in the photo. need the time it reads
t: 5:20
